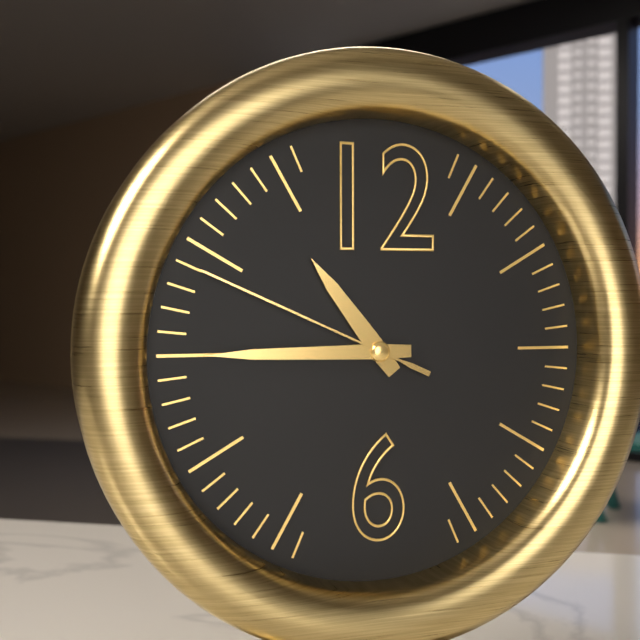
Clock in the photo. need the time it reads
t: 10:45:49
